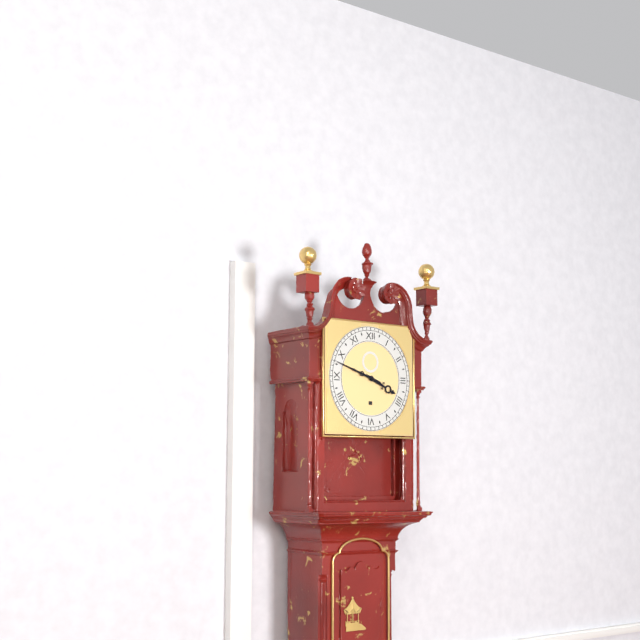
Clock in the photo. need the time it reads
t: 3:48
